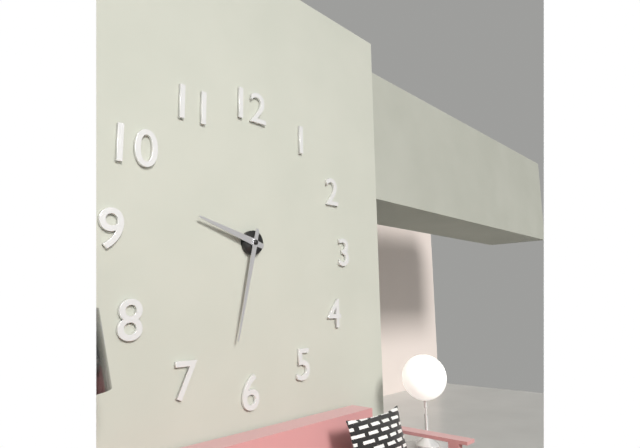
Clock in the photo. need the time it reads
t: 9:32
